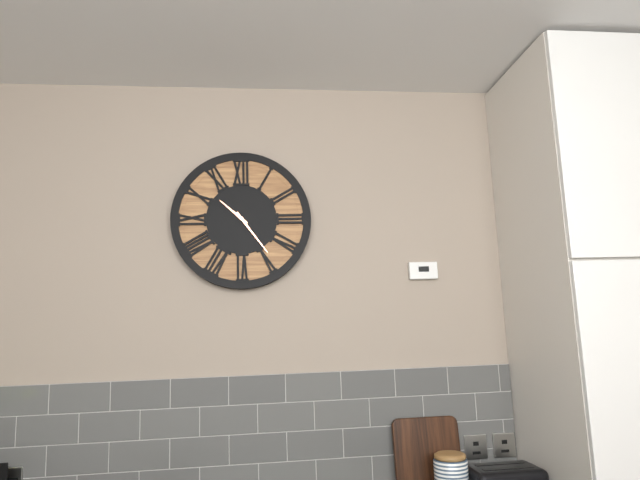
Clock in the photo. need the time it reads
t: 10:24
